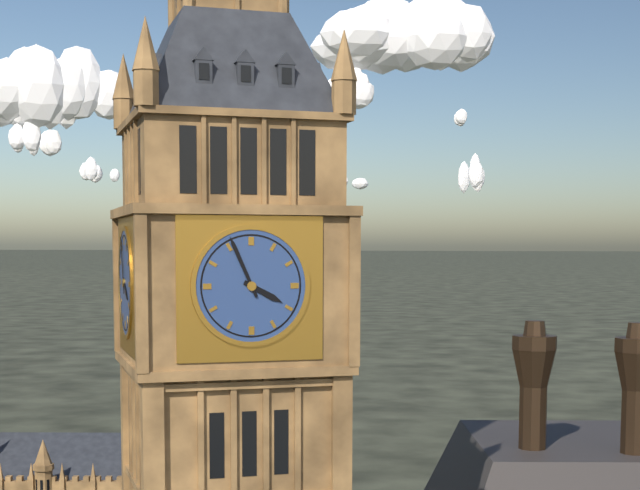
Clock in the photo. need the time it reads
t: 3:56
